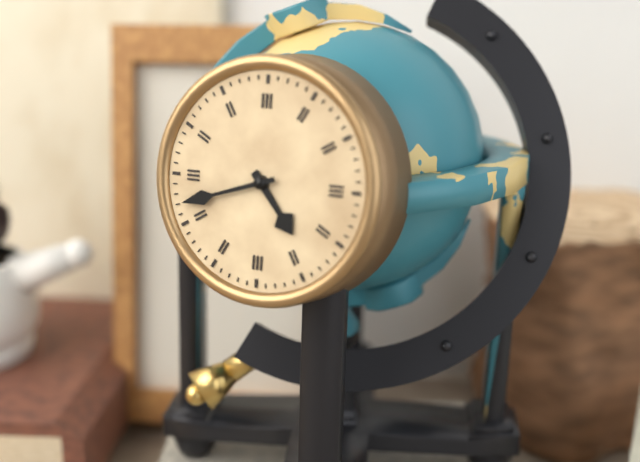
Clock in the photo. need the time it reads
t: 4:42
